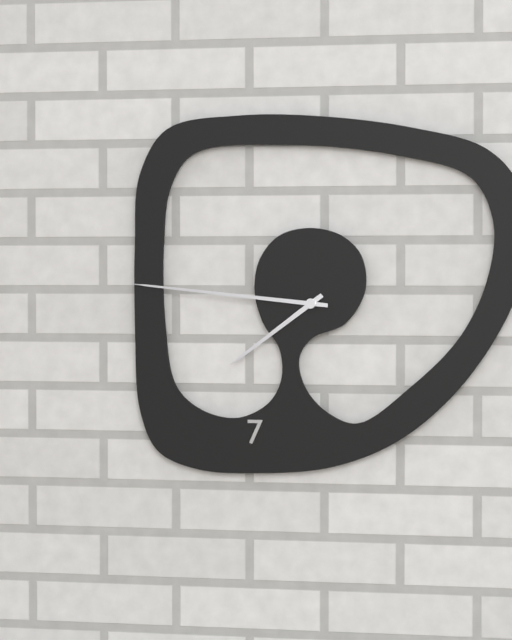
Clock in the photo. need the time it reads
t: 7:46
